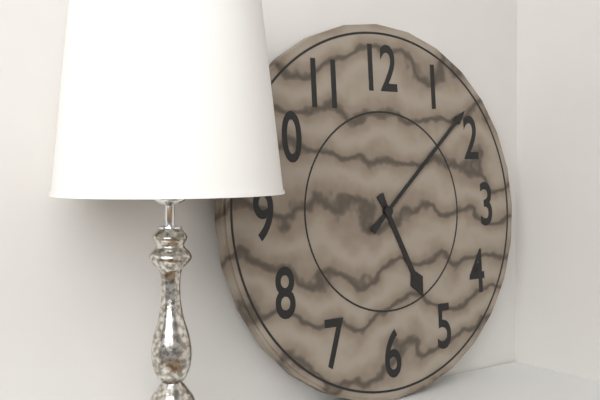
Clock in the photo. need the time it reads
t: 5:08
